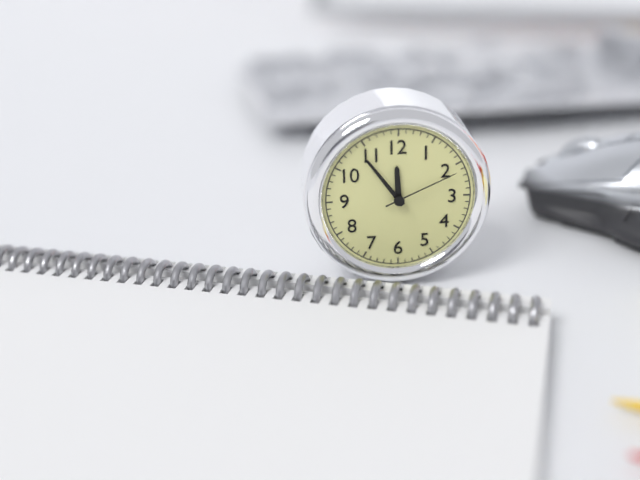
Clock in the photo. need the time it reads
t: 11:54:11
